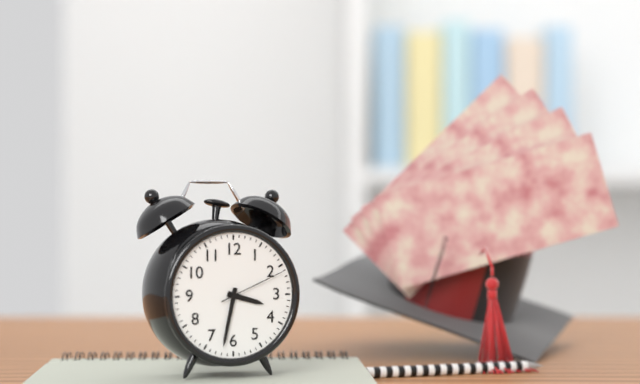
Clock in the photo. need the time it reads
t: 3:32:11
